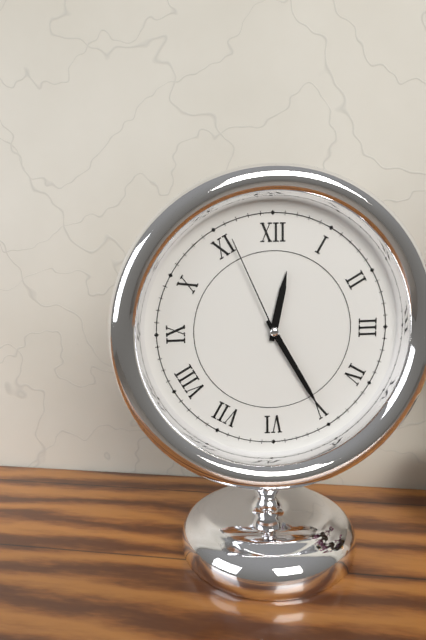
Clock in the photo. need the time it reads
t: 12:25:56
